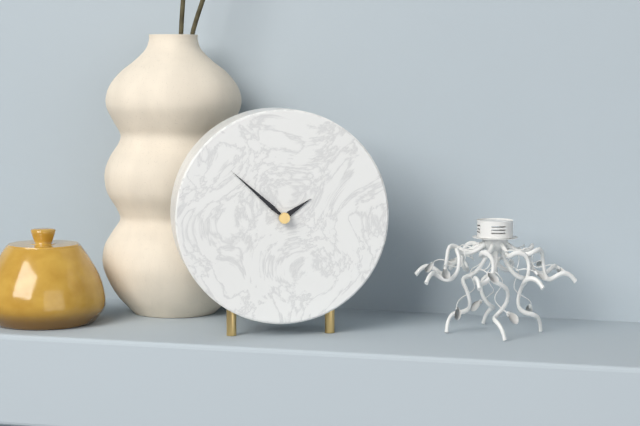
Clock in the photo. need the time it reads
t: 1:52
